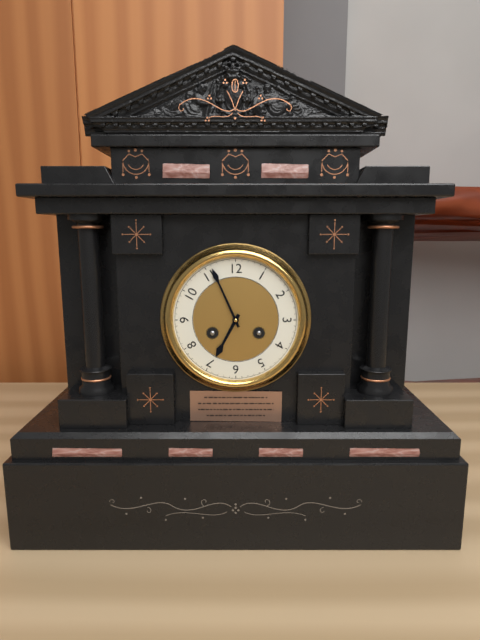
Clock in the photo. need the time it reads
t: 6:56
